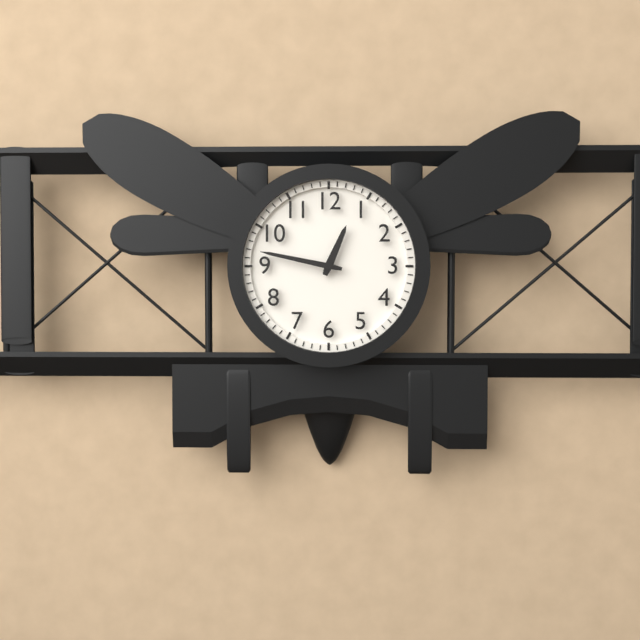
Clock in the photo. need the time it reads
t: 12:47
